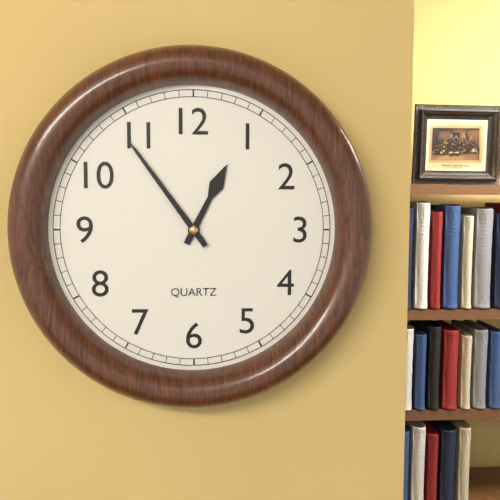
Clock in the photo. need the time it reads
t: 12:54
